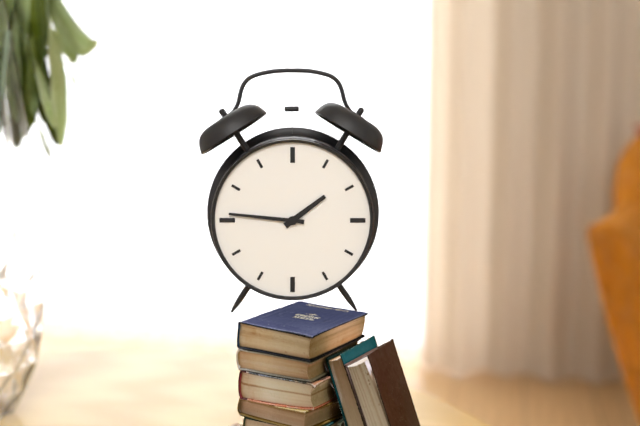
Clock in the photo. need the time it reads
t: 1:46
